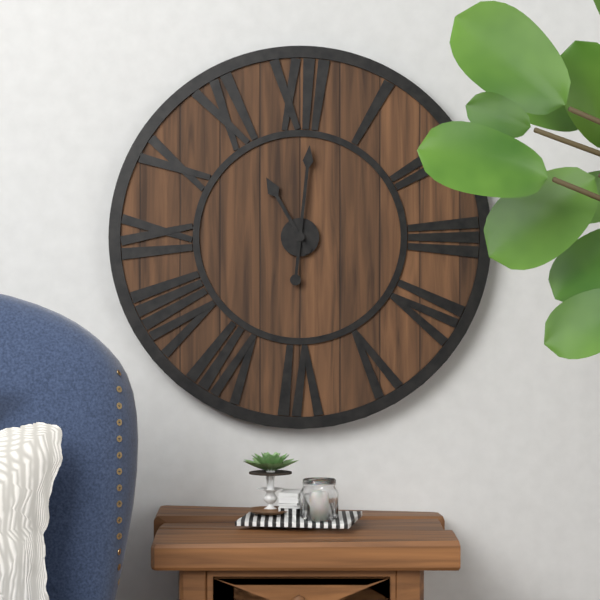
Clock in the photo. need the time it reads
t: 11:01
